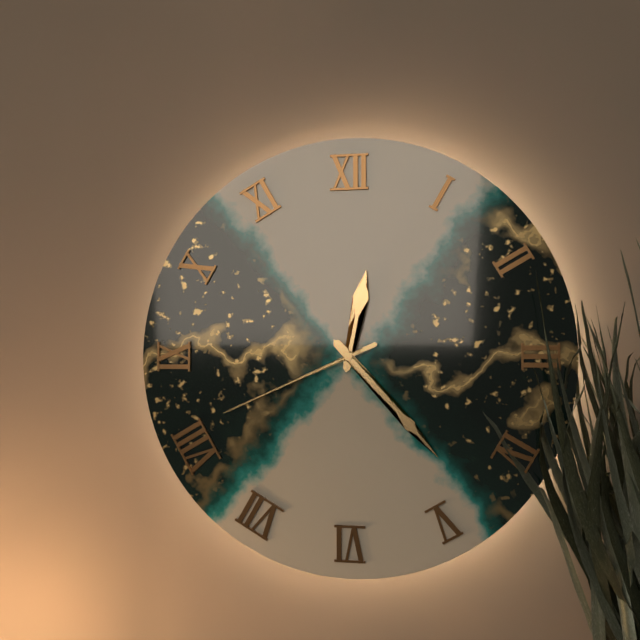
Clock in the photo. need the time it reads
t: 12:23:41
